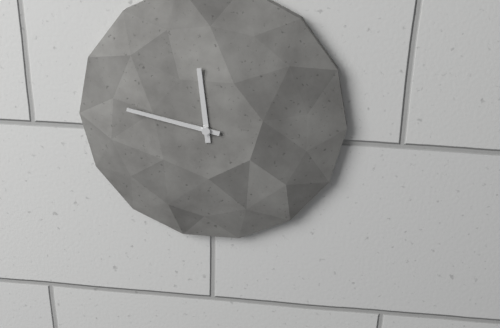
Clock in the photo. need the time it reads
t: 11:47
